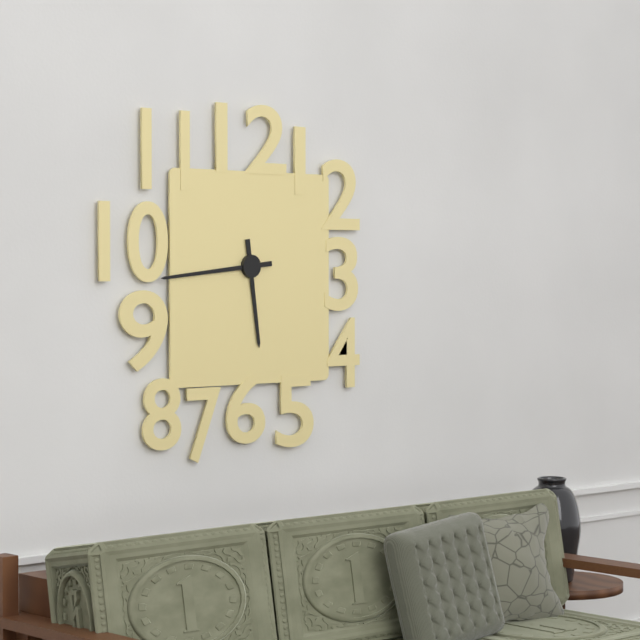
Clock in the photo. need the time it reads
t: 5:44
